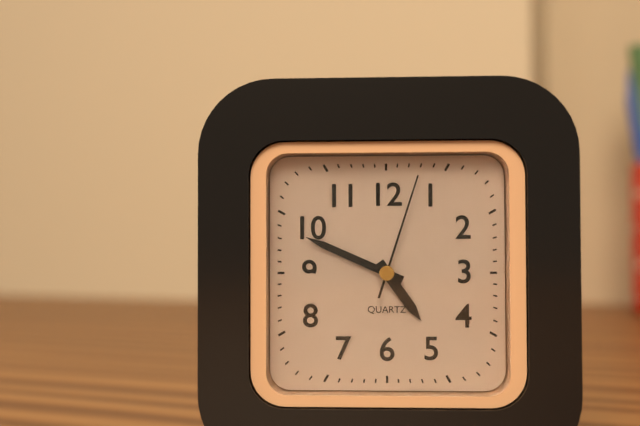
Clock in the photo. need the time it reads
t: 4:49:03
